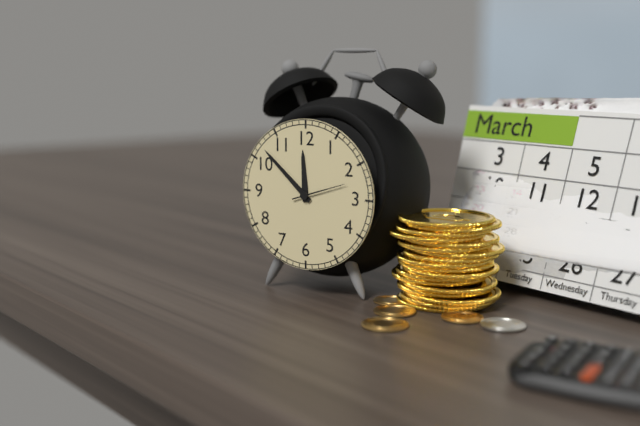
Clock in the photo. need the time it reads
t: 11:52:12
